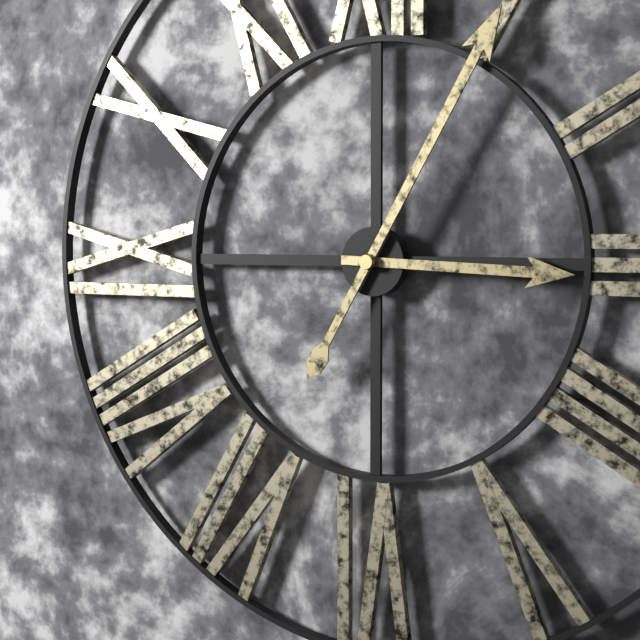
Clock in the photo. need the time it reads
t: 3:05
